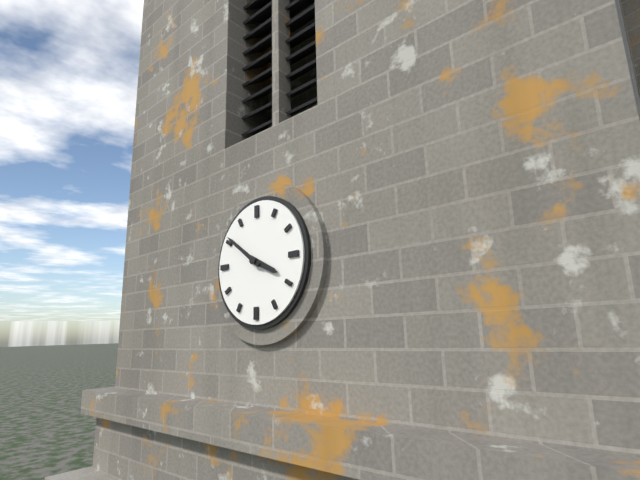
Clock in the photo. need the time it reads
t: 3:51
